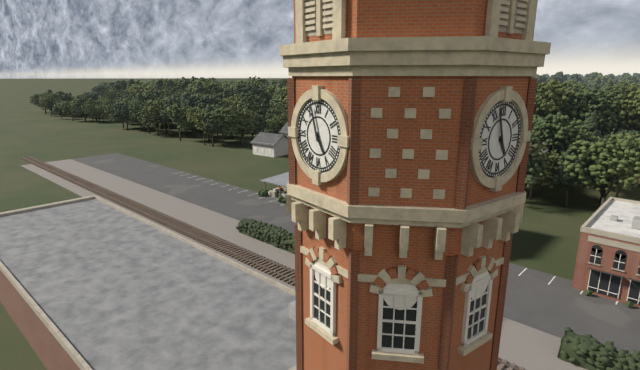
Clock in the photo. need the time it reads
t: 4:57
